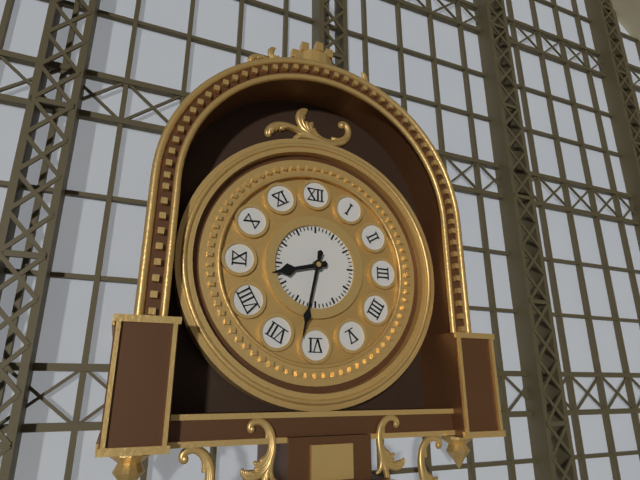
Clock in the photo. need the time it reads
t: 8:32
